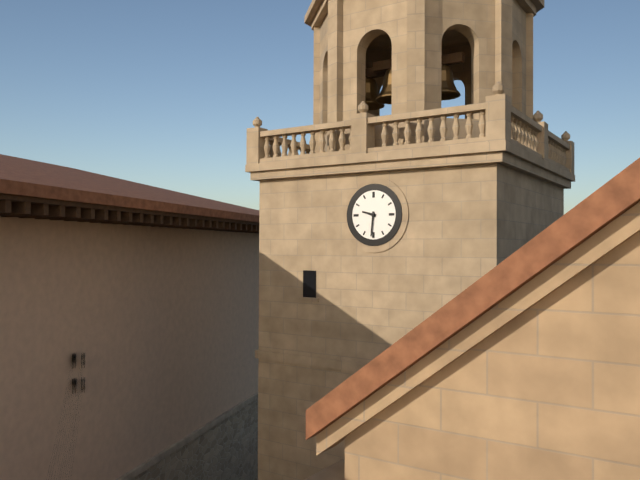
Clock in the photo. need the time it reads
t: 9:31
